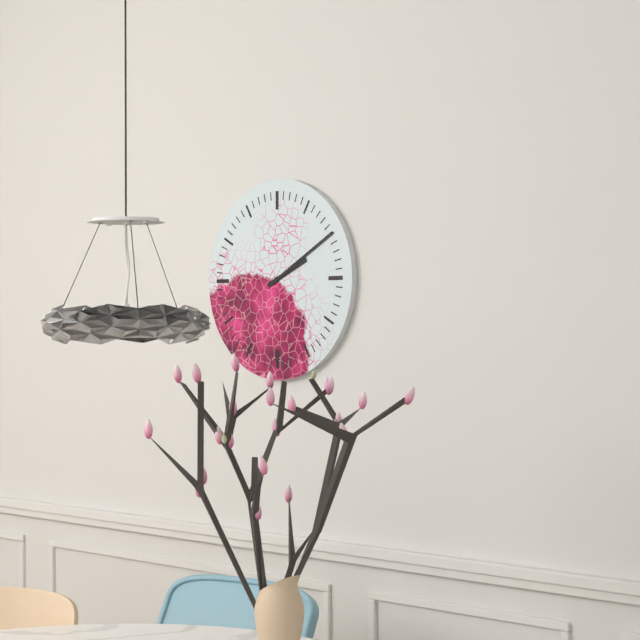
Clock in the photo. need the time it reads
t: 2:10
